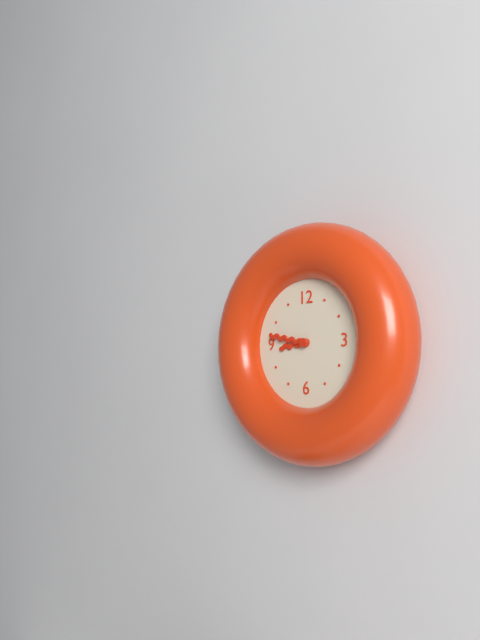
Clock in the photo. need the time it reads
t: 8:47
